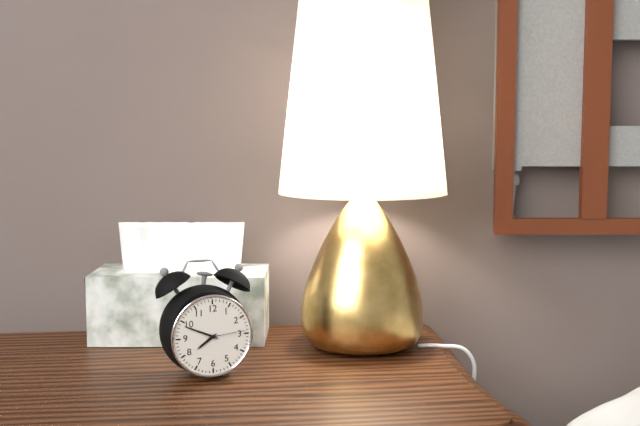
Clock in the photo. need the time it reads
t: 7:49
